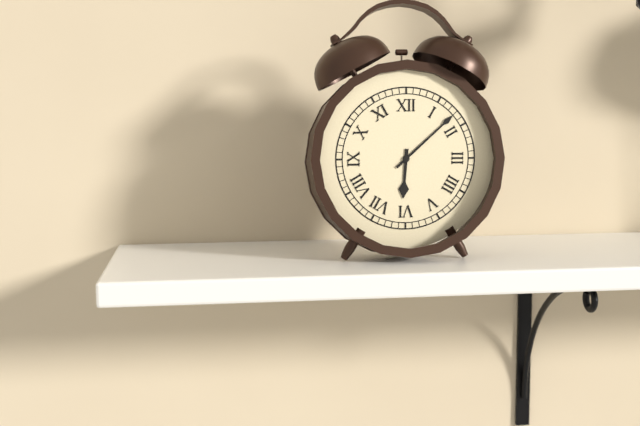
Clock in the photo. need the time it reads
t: 6:08
